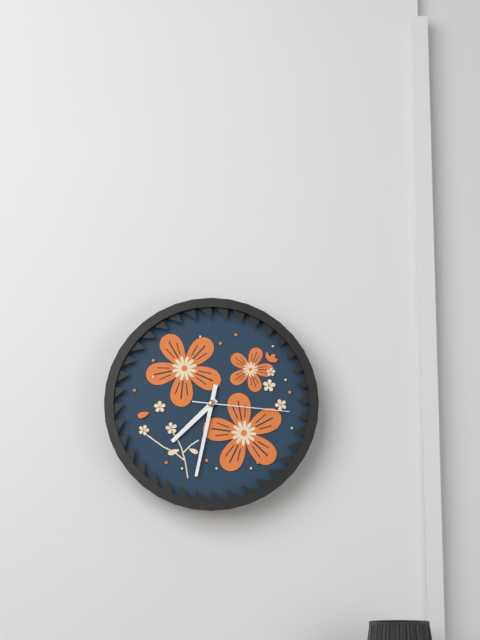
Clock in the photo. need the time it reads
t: 7:32:16
